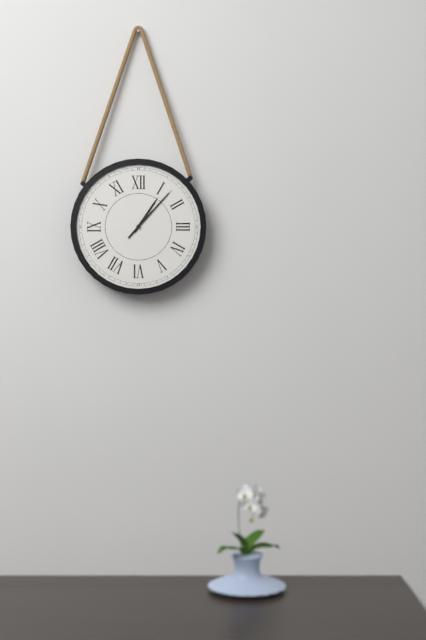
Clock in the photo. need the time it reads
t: 1:07
